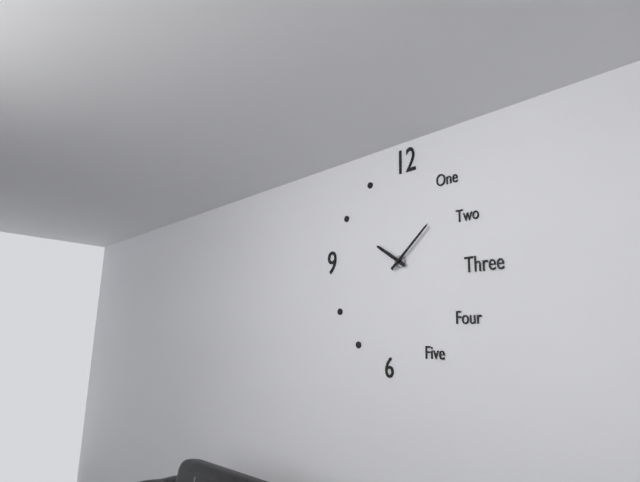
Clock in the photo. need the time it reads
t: 10:08
